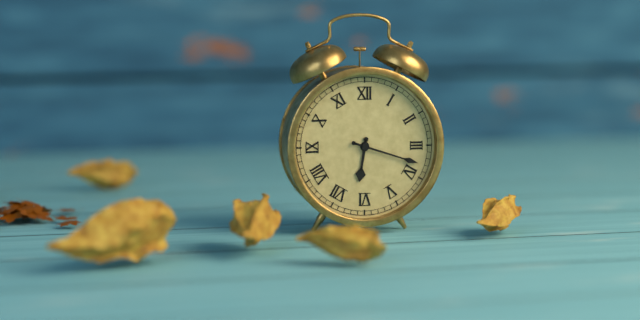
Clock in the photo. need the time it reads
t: 6:18
